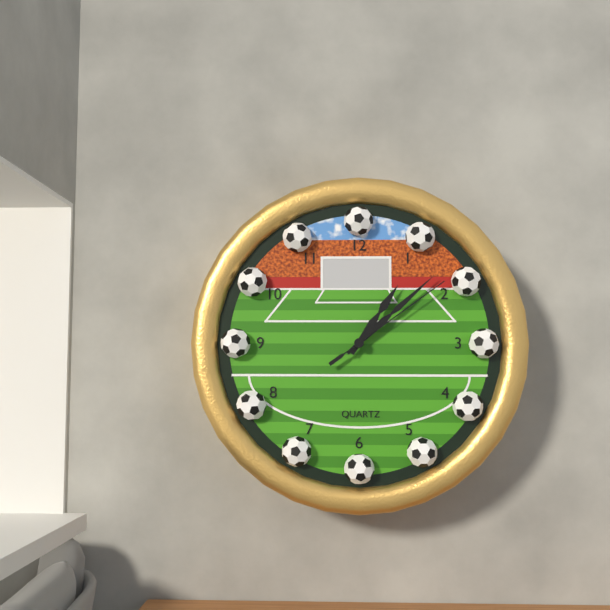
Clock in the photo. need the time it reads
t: 1:08:09
